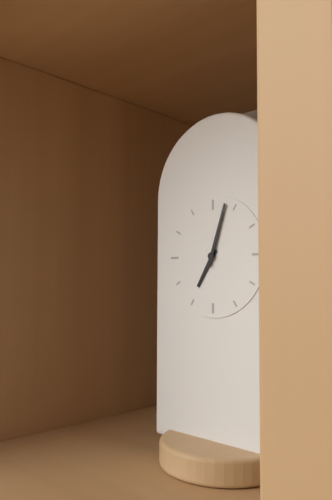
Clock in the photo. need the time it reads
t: 7:03
